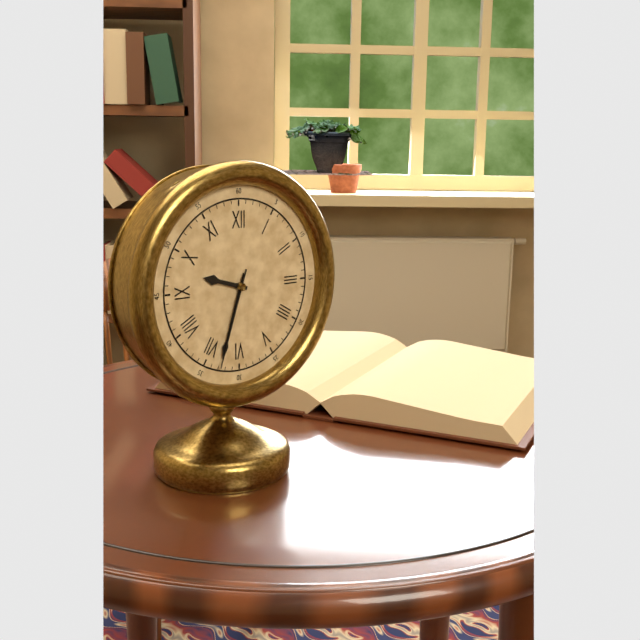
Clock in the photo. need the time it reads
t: 9:33:33
